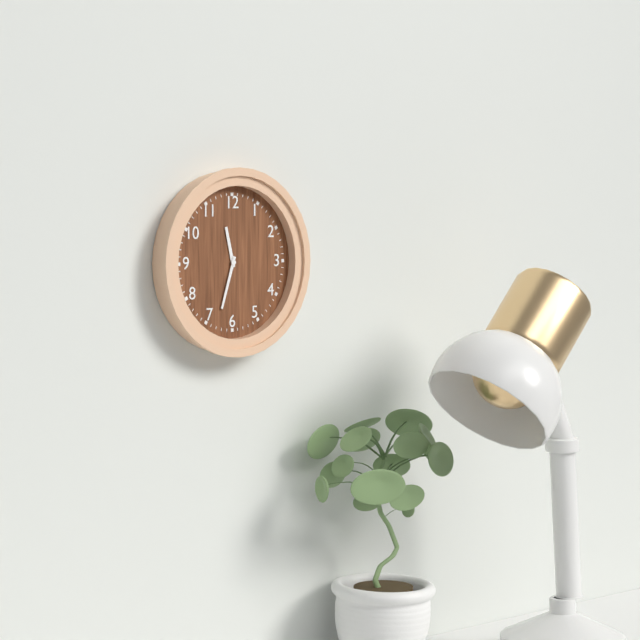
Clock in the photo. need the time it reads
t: 11:33
